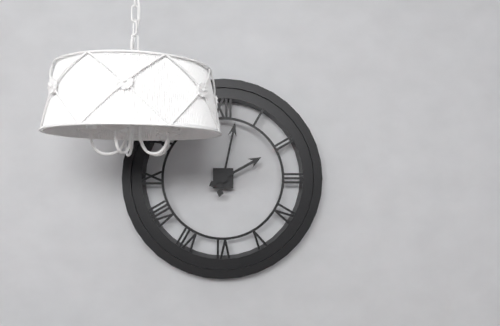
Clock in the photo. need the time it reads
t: 2:02
